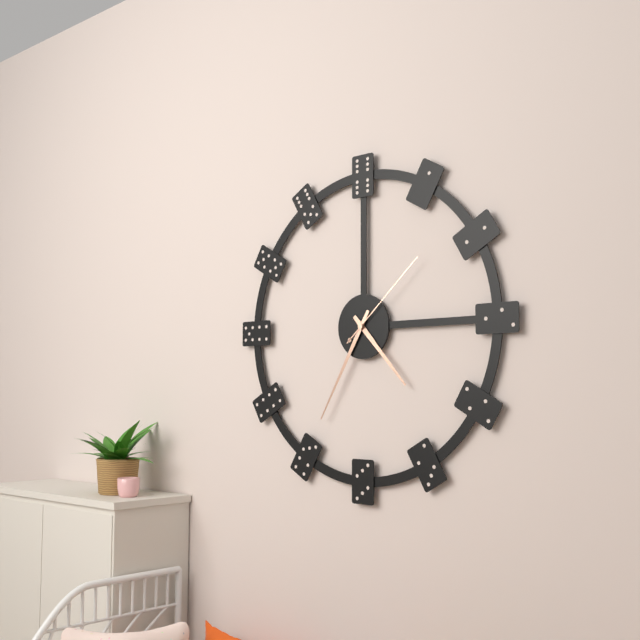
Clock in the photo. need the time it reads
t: 4:35:08
